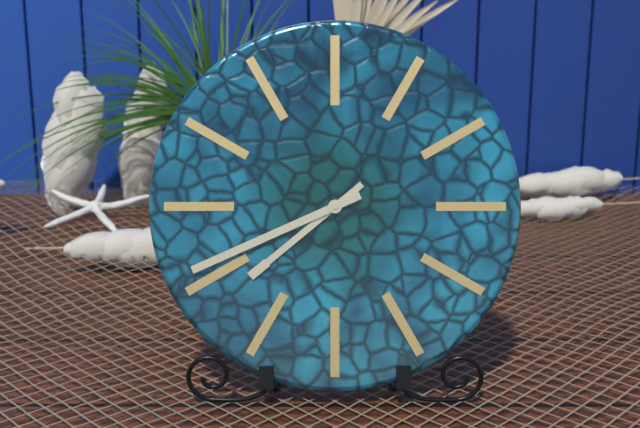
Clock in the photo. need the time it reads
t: 7:41
